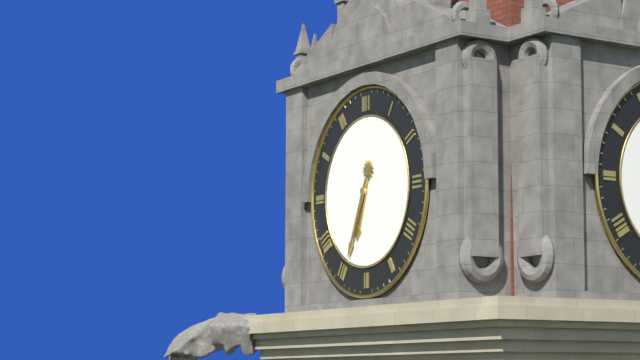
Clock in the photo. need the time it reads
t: 6:34
